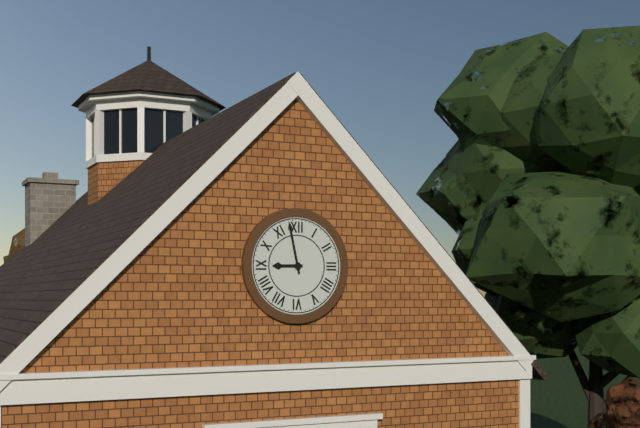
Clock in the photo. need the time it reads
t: 8:58
